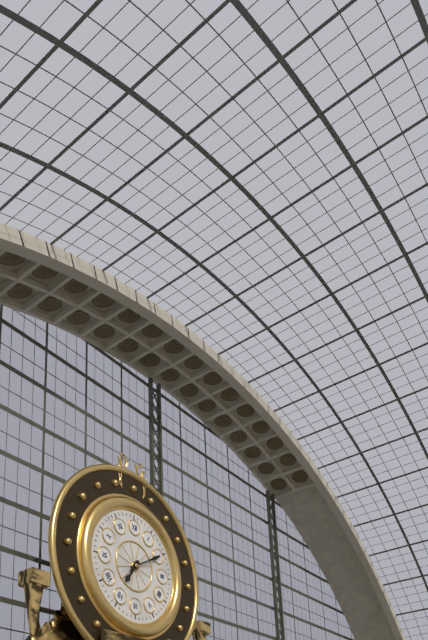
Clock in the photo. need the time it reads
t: 7:10
